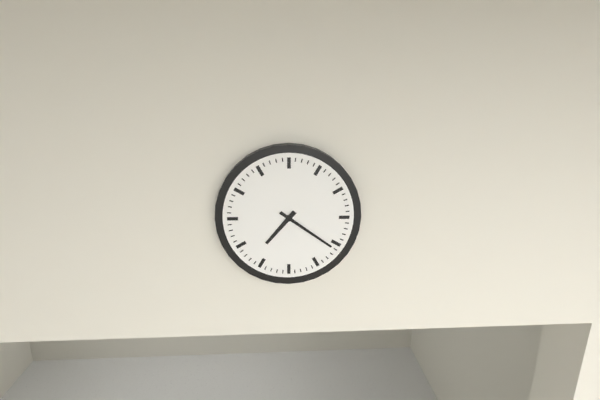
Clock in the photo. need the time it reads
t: 7:21
